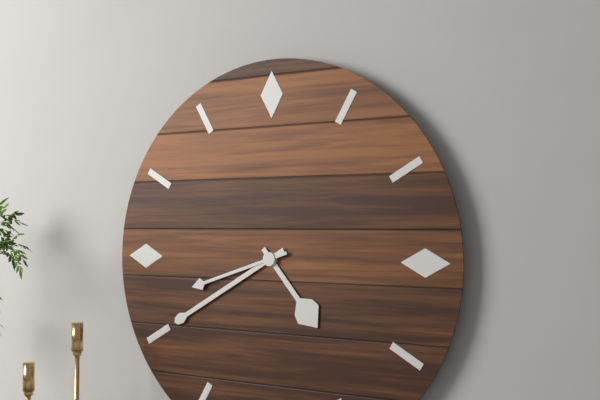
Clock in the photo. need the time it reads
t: 4:40:42
